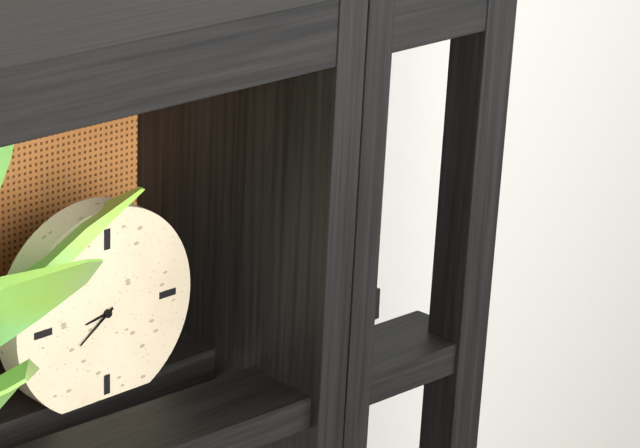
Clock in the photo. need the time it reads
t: 8:39
